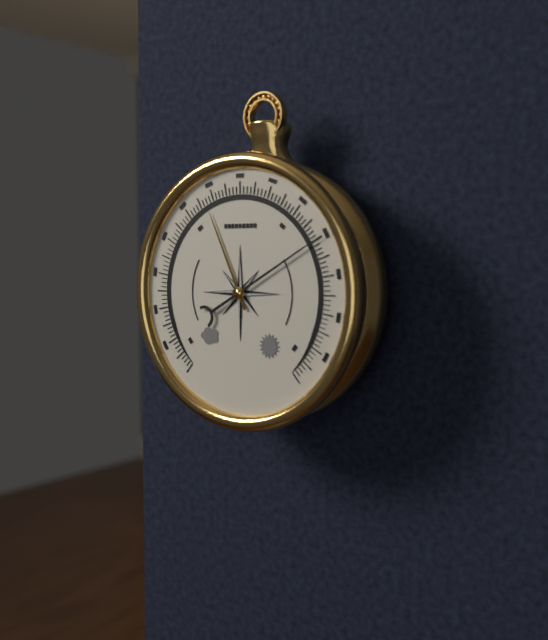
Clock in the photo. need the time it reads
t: 11:10
